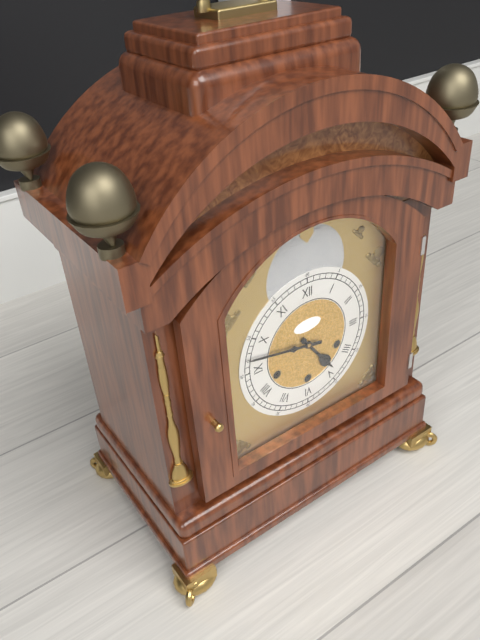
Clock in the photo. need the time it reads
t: 4:47
